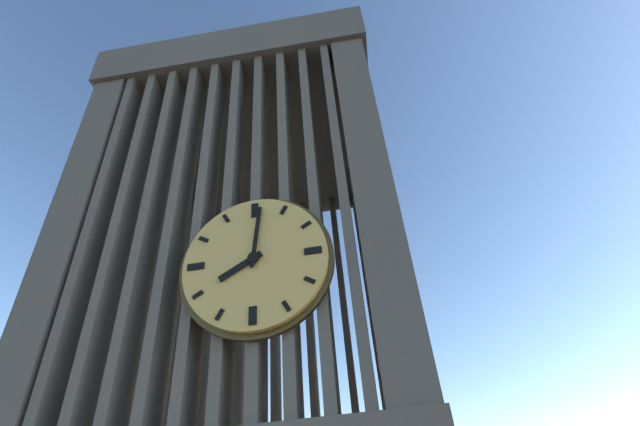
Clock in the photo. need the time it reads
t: 8:01
